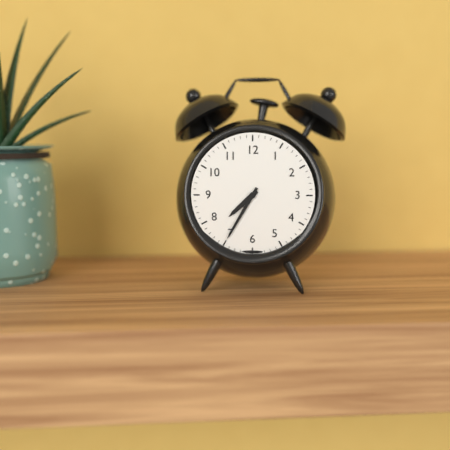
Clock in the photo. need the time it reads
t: 7:35
